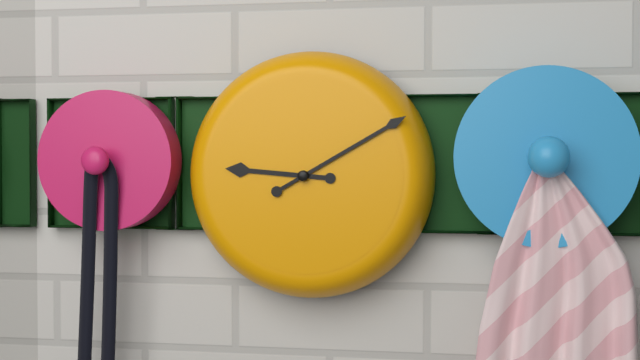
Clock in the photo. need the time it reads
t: 9:10
